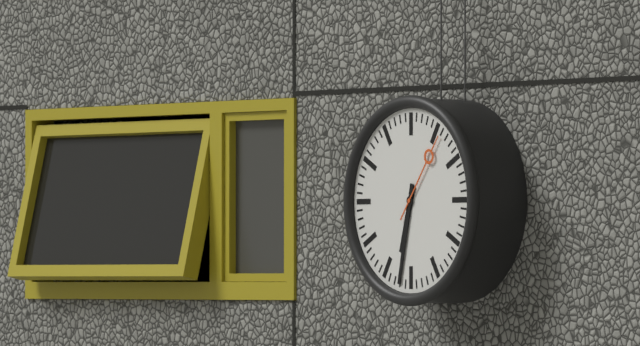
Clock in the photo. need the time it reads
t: 6:32:06
